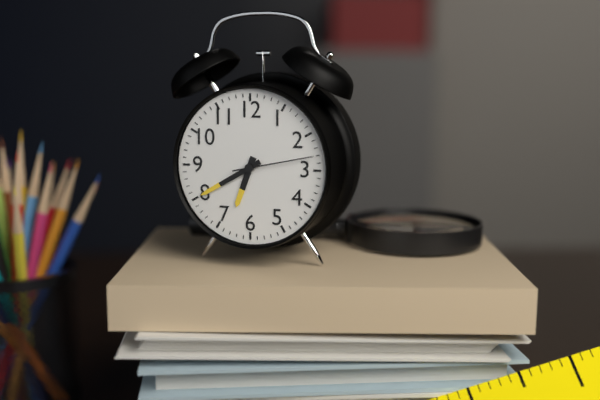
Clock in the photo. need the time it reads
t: 6:40:13
